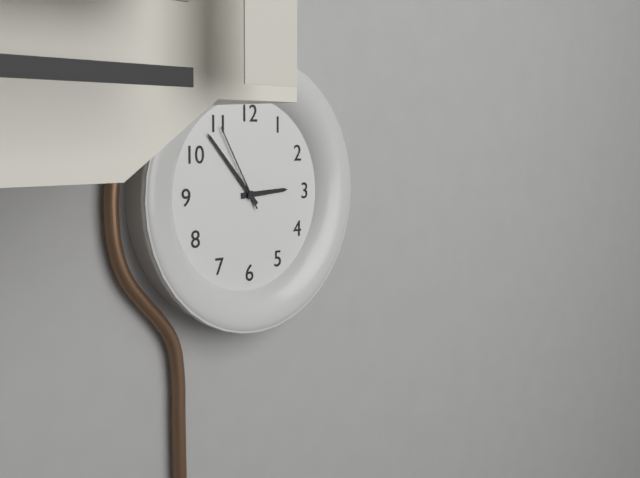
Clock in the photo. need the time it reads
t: 2:53:55
